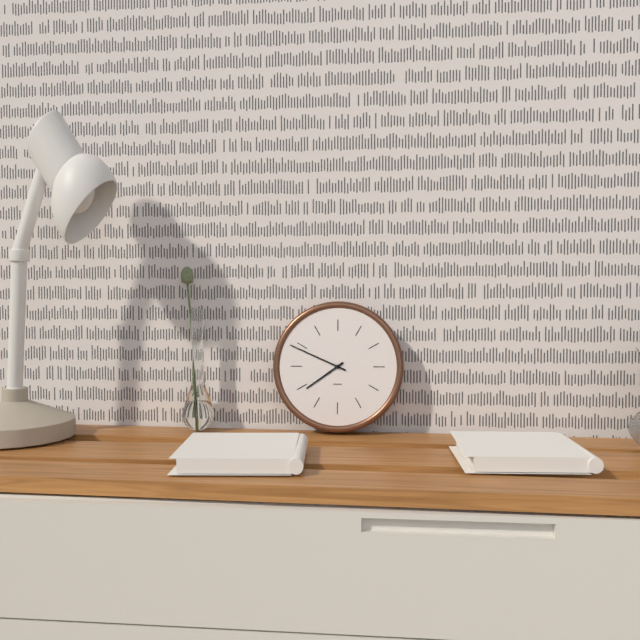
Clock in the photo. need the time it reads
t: 7:49
